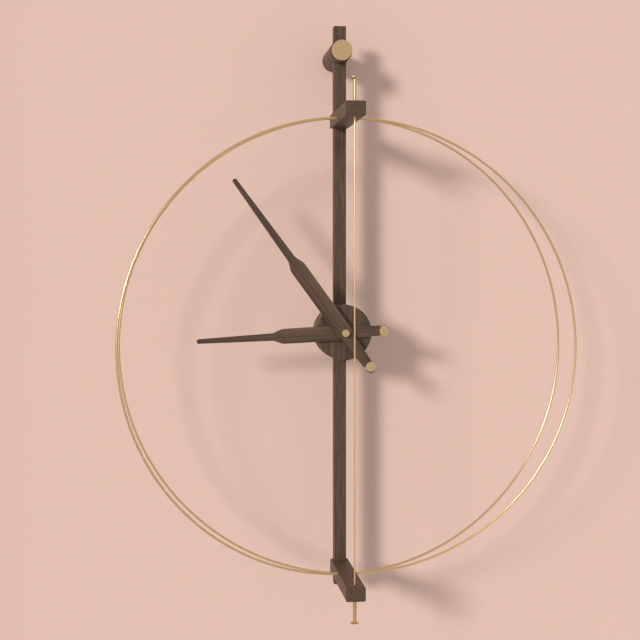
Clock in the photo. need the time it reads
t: 8:54
